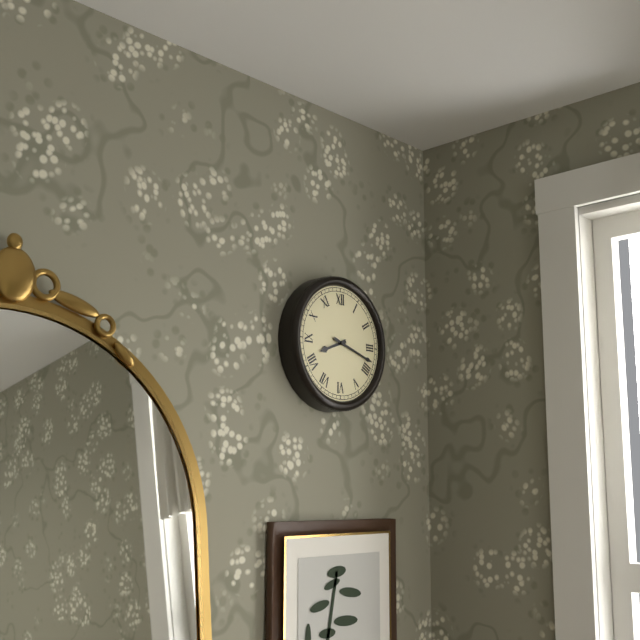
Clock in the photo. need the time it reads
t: 8:18
